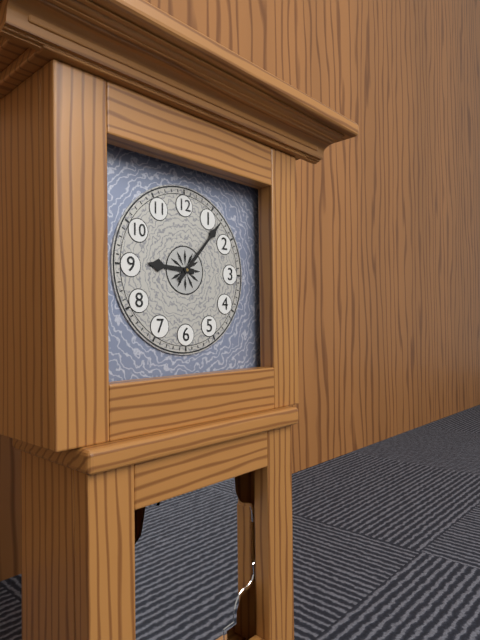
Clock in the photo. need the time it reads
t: 9:07
